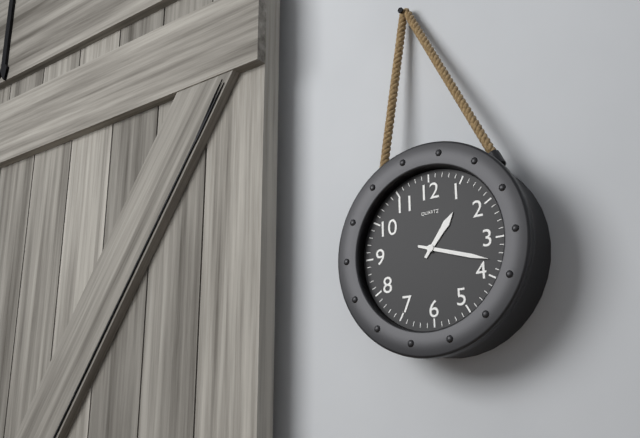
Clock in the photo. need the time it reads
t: 1:18
